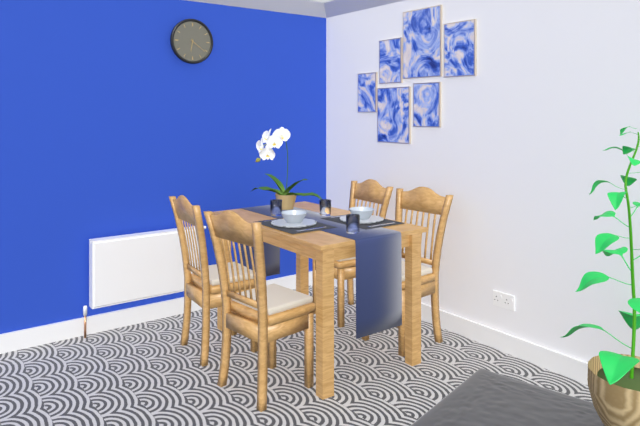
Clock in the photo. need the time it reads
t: 6:21
